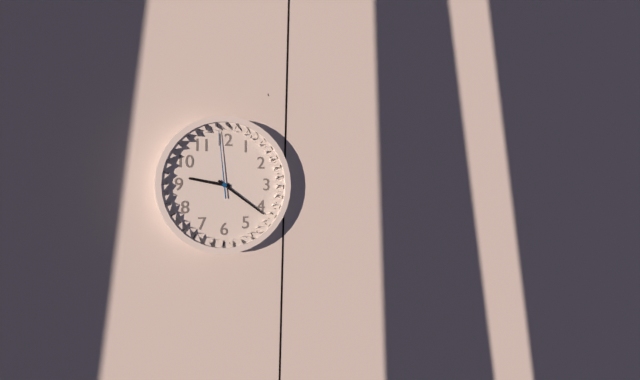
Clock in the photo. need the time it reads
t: 9:21:59
